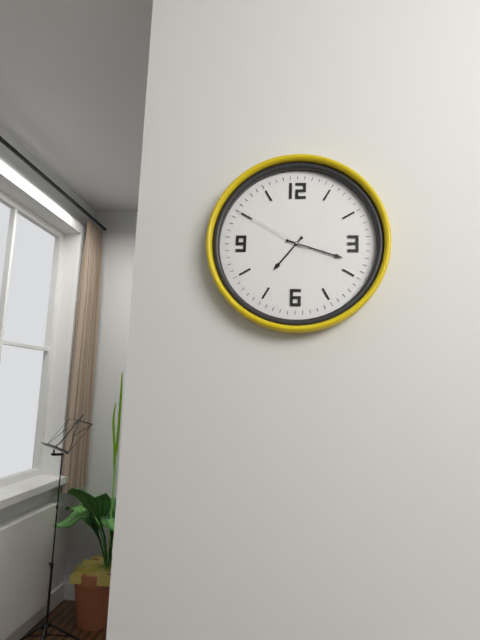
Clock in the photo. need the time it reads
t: 7:18:50
